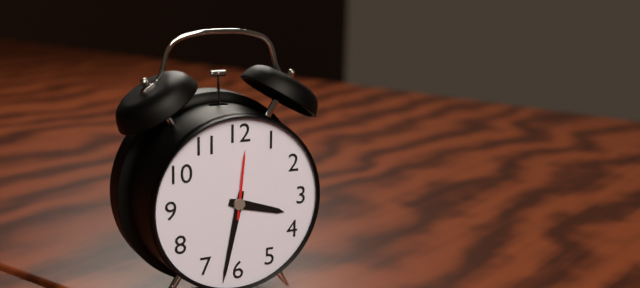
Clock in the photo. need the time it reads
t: 3:32:01
